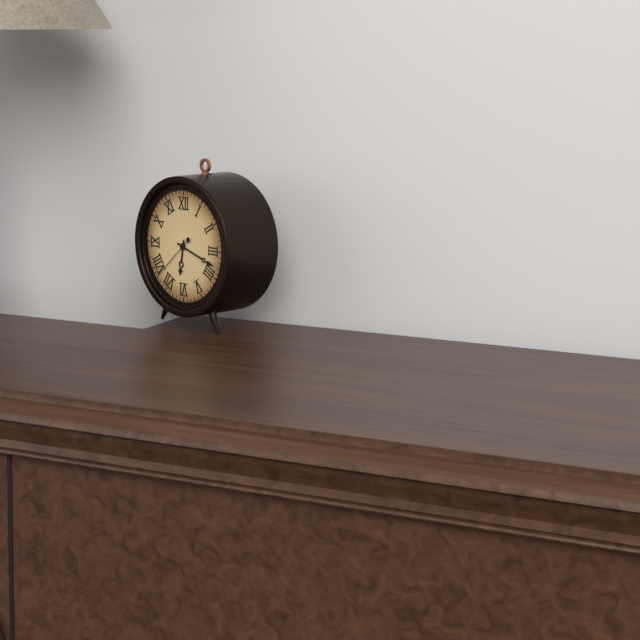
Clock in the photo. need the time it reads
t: 6:18:38
